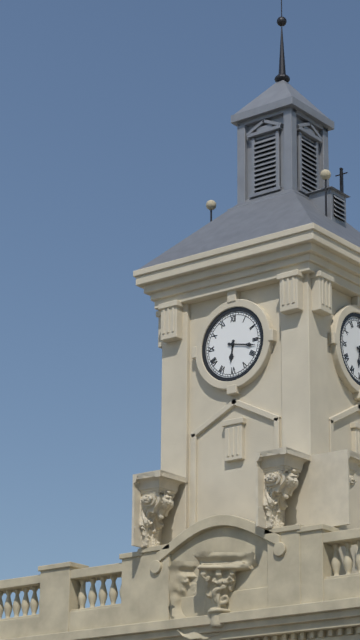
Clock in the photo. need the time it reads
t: 6:17
